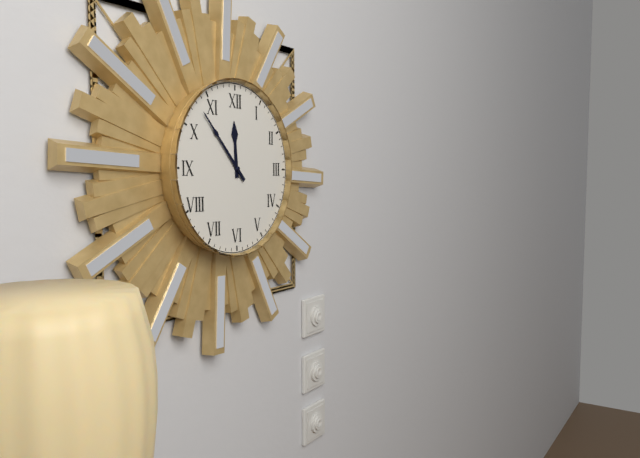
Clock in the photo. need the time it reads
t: 11:53
